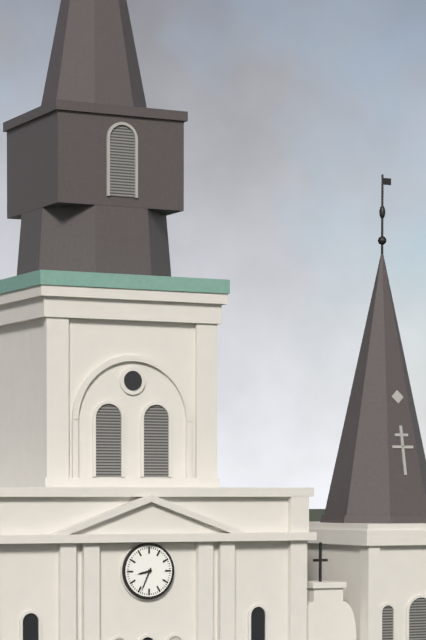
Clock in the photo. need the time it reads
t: 8:34
